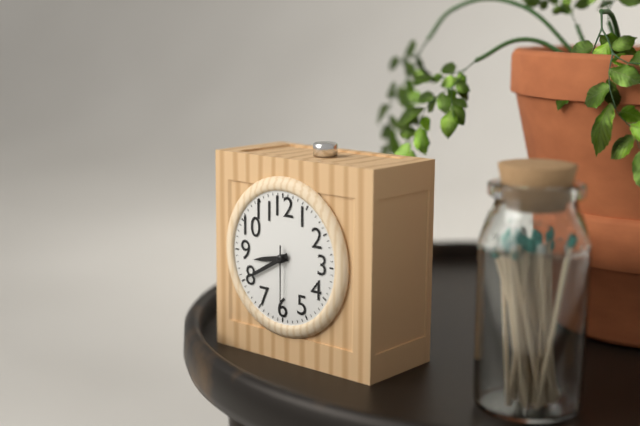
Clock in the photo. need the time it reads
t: 8:40:30
